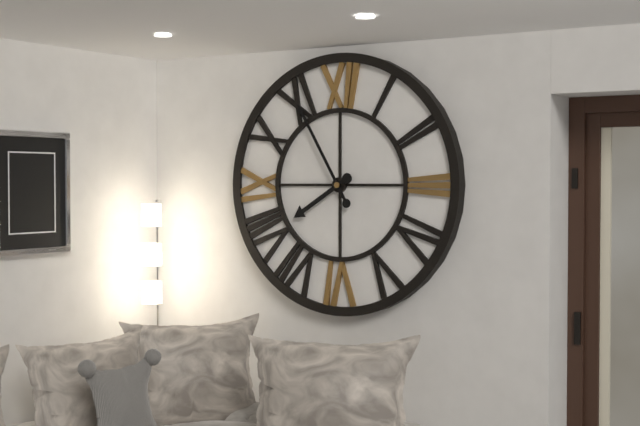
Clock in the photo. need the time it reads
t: 7:55
